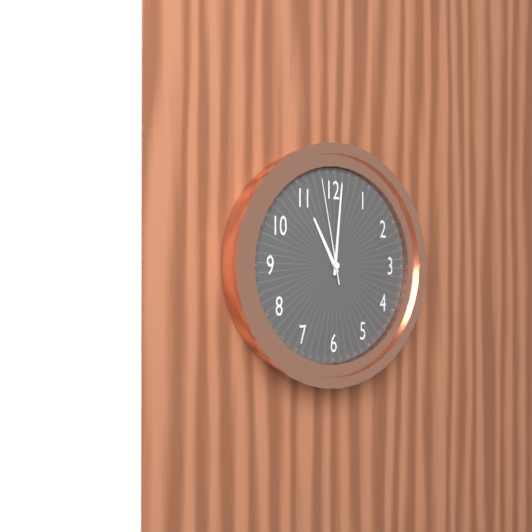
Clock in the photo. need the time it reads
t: 11:01:58
